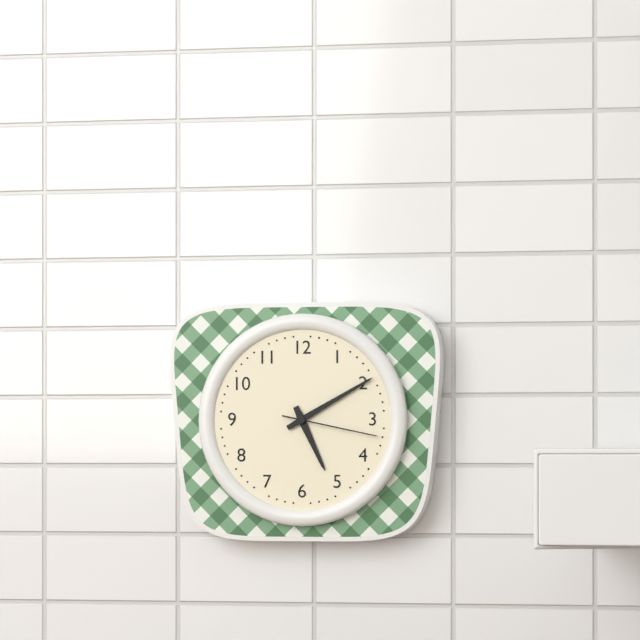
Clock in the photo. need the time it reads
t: 5:10:17
